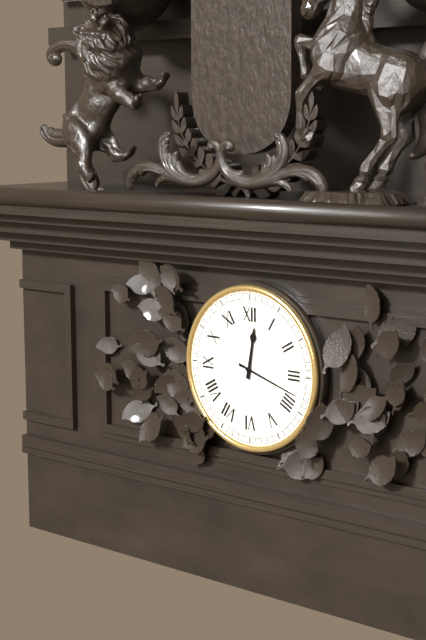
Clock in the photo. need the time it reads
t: 12:18
